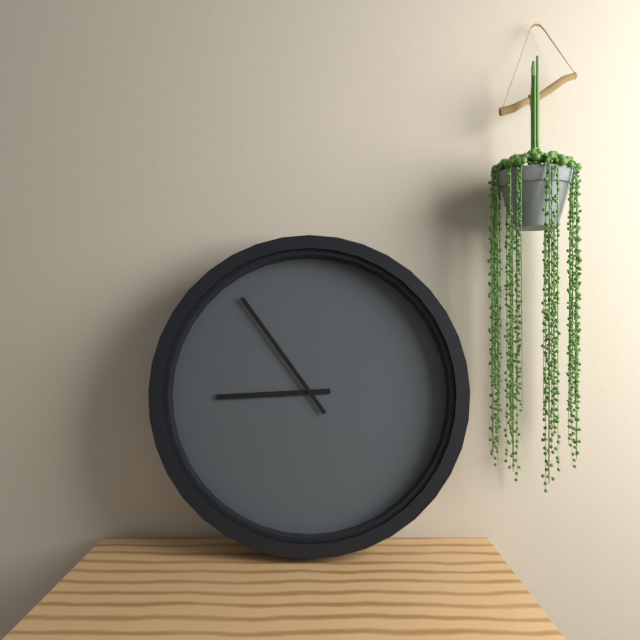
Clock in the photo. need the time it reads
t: 8:54
